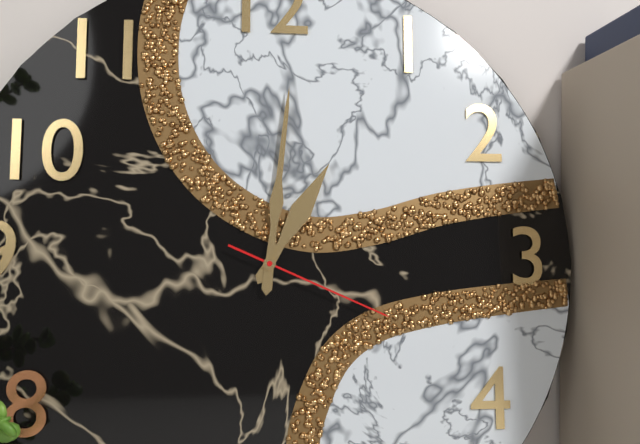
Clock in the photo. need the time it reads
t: 1:01:19
